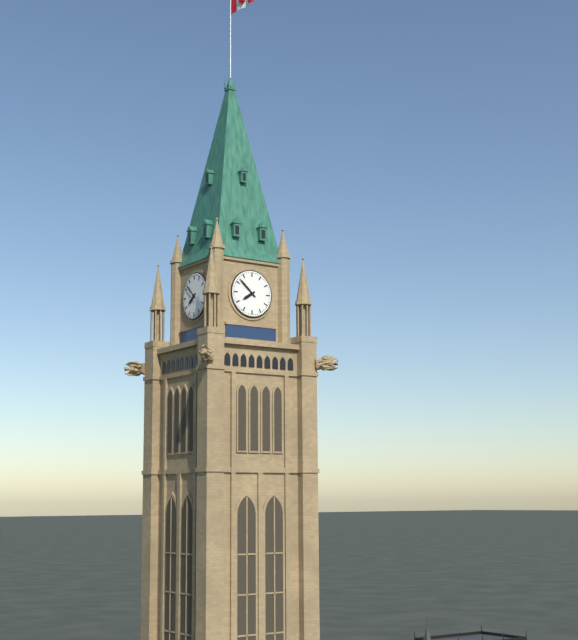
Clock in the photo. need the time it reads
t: 7:52
